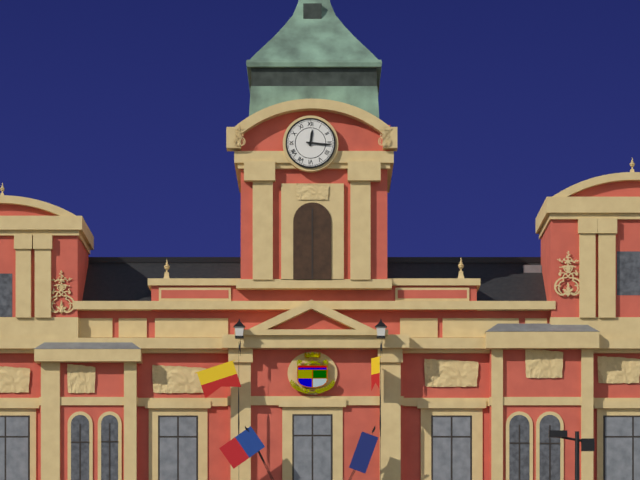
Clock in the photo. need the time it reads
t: 12:16
